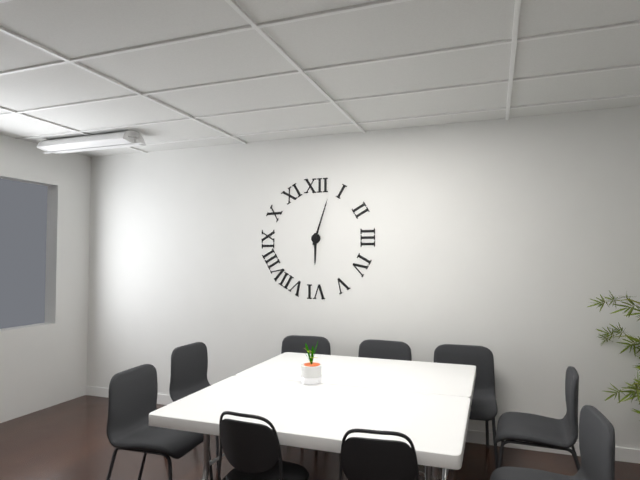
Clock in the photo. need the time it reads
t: 6:03
